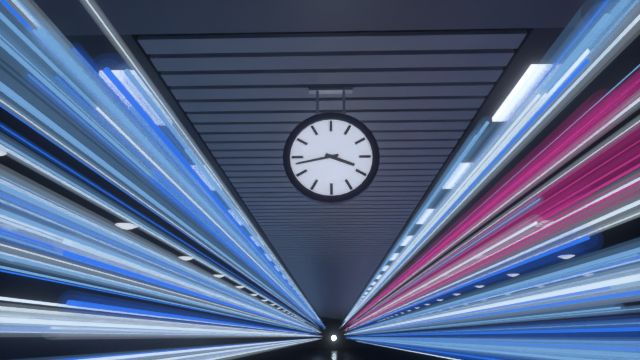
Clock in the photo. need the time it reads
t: 3:43
